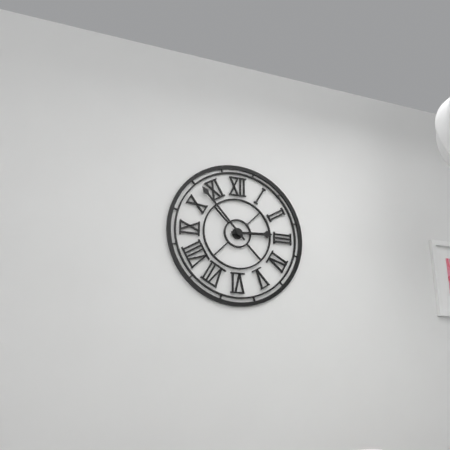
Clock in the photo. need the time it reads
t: 2:53
